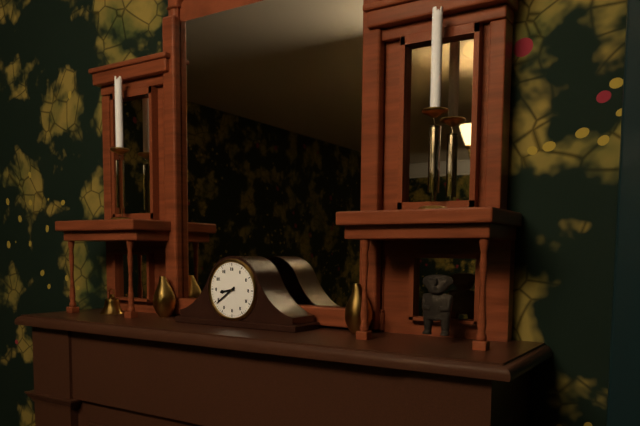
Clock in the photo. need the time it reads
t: 8:39
